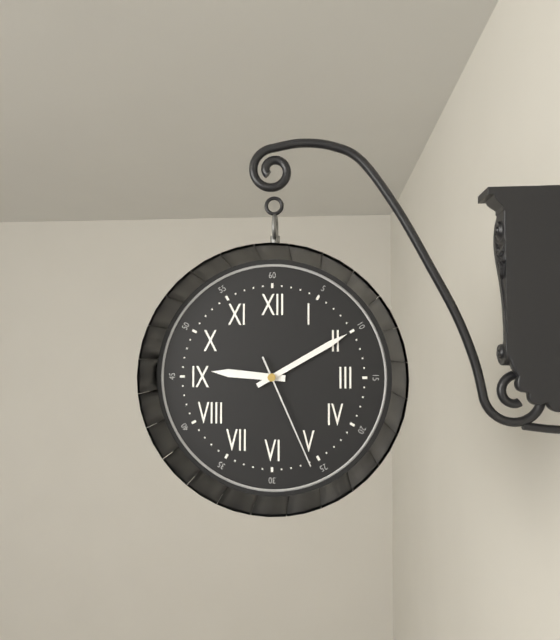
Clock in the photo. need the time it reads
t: 9:10:26
